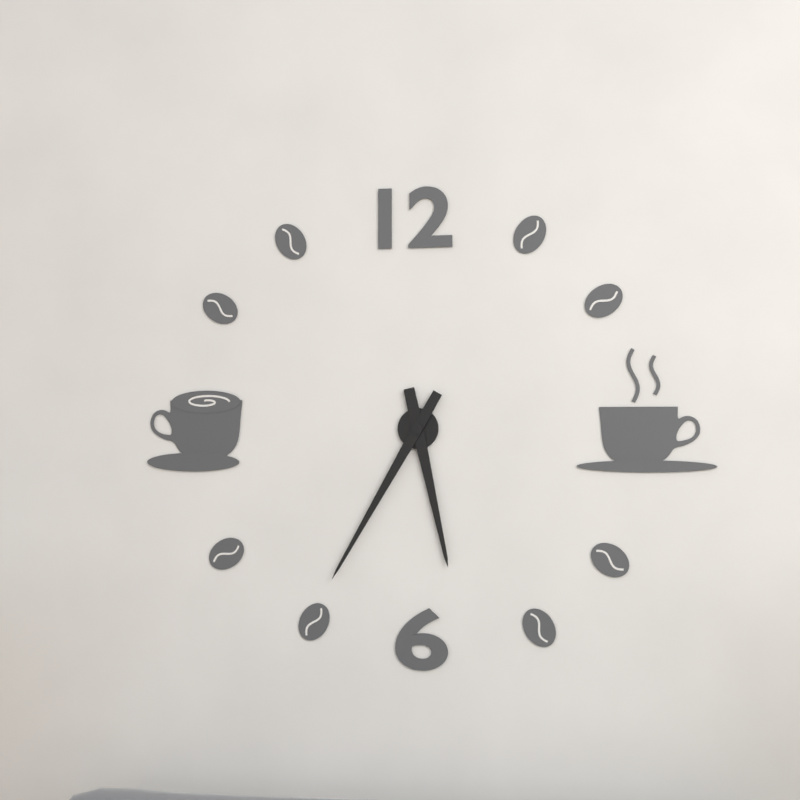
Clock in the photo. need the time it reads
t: 5:35
